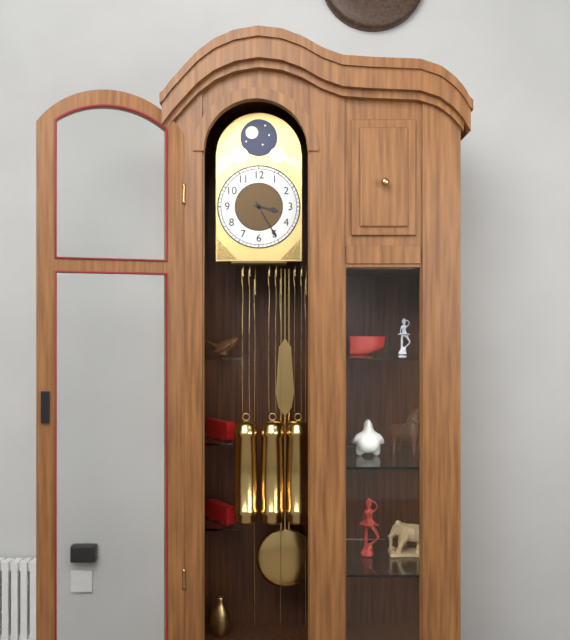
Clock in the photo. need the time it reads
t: 3:25
